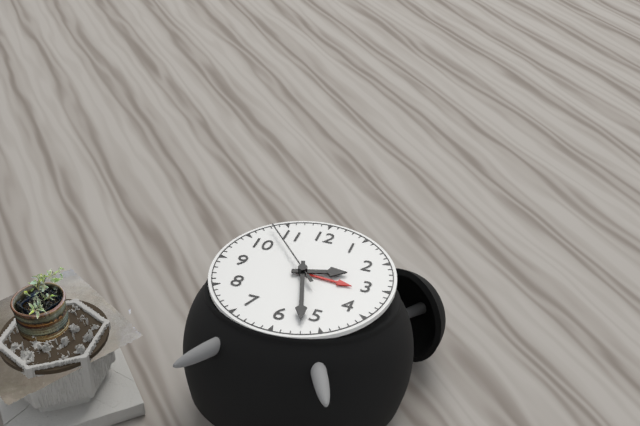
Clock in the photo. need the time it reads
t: 2:27:53
